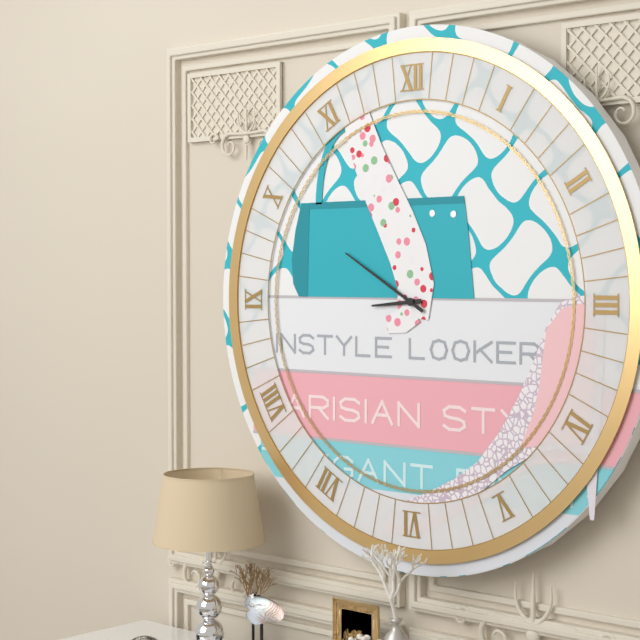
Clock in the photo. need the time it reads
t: 8:50
